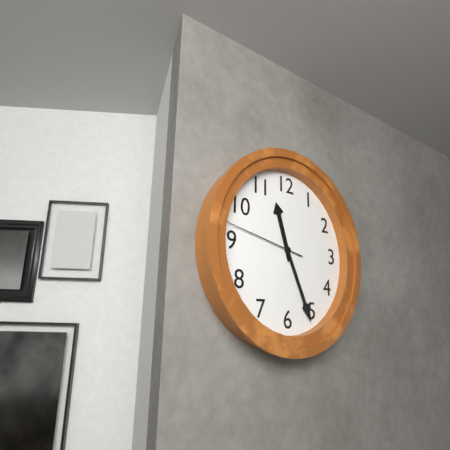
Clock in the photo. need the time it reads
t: 11:26:47
